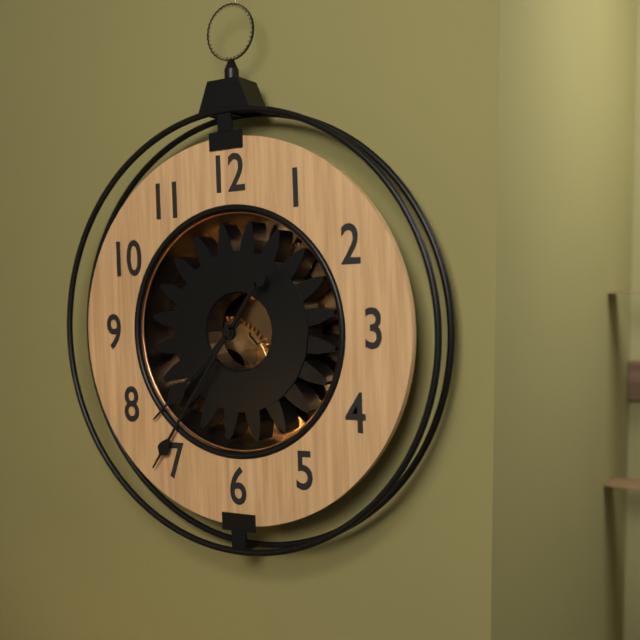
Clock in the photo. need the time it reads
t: 7:36
